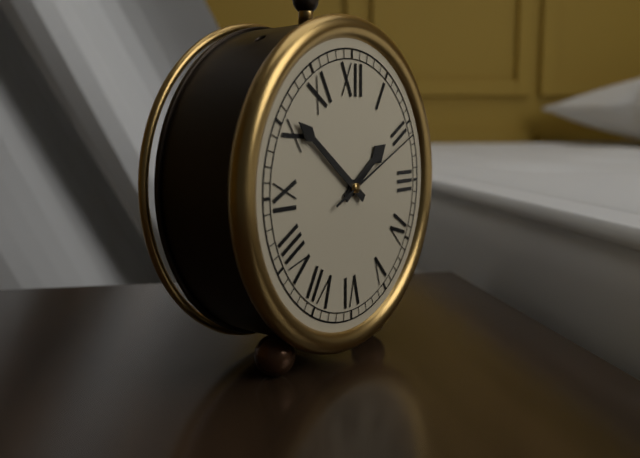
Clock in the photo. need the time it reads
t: 1:51:11
